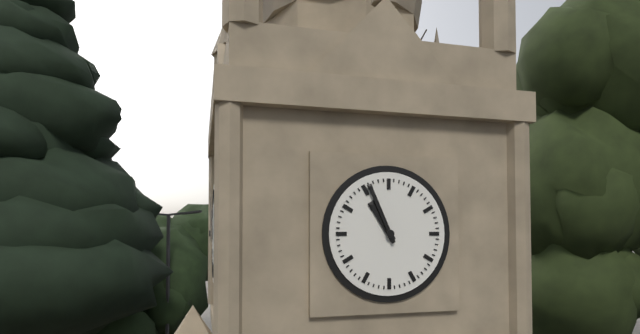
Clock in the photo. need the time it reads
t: 10:56
